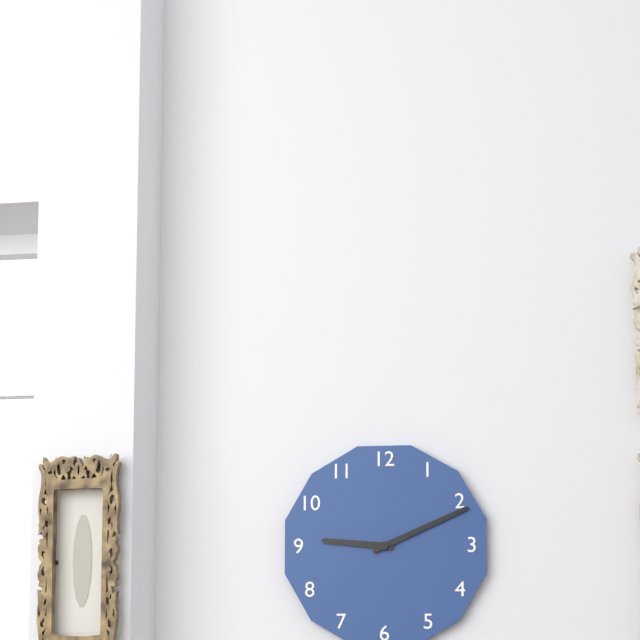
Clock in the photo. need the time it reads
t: 9:11
